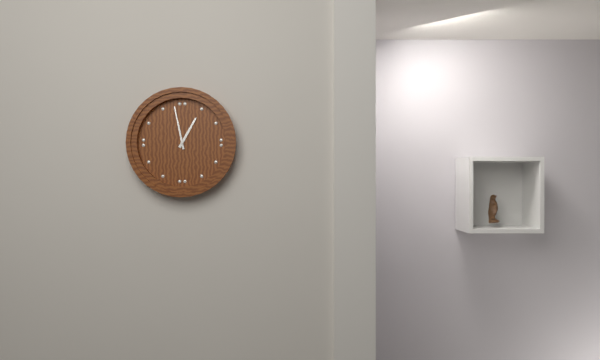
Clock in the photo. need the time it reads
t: 12:58
